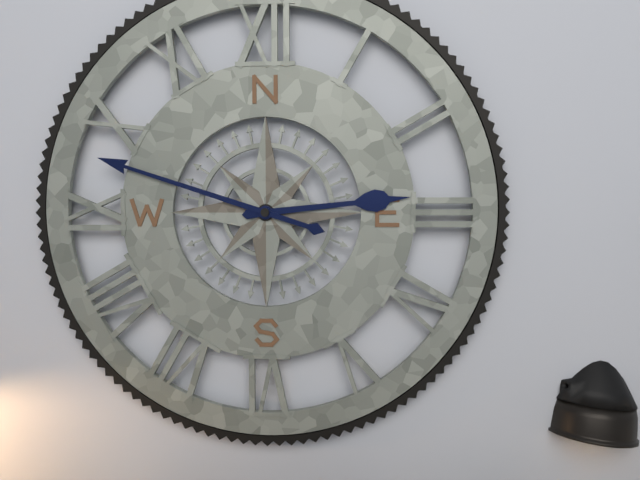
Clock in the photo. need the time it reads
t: 2:48
